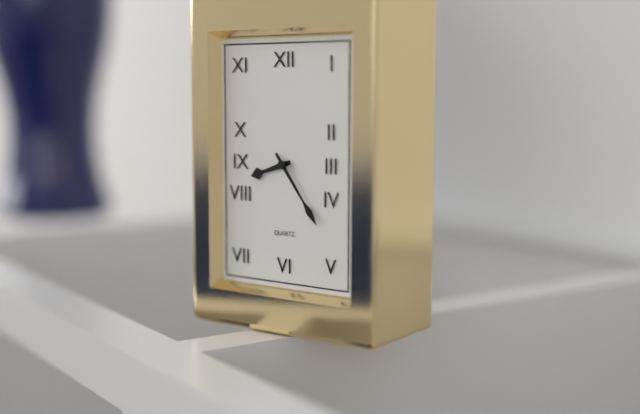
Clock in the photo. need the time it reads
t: 8:24
